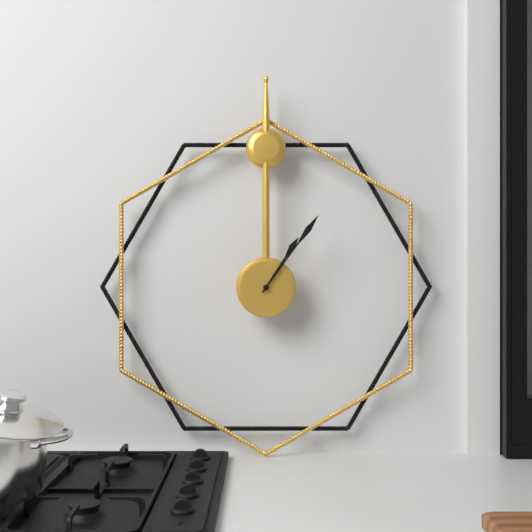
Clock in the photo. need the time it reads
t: 1:06
